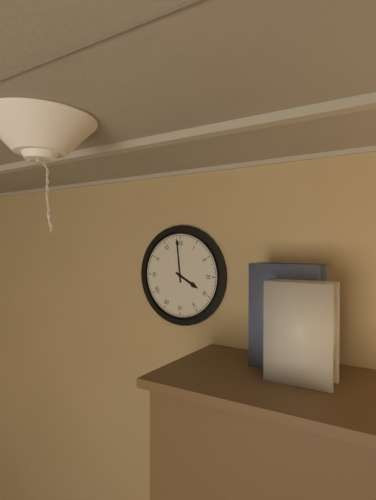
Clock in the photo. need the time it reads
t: 3:59
